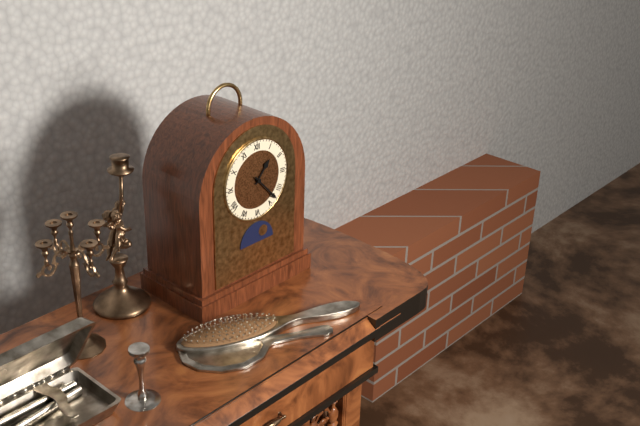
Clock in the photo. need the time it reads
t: 1:23
